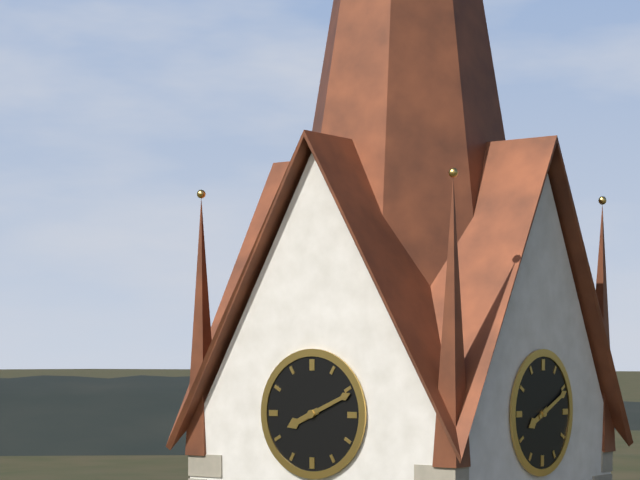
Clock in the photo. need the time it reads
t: 8:11
